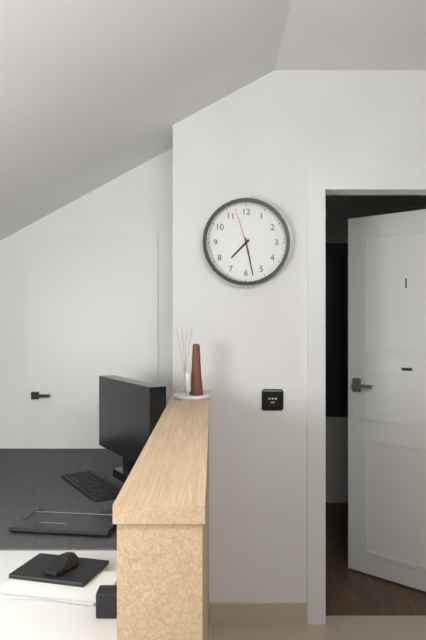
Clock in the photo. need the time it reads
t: 7:28
